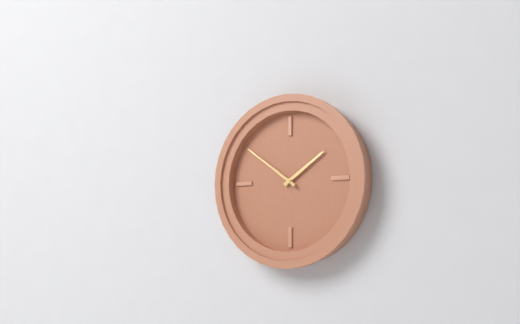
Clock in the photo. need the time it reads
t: 1:51
